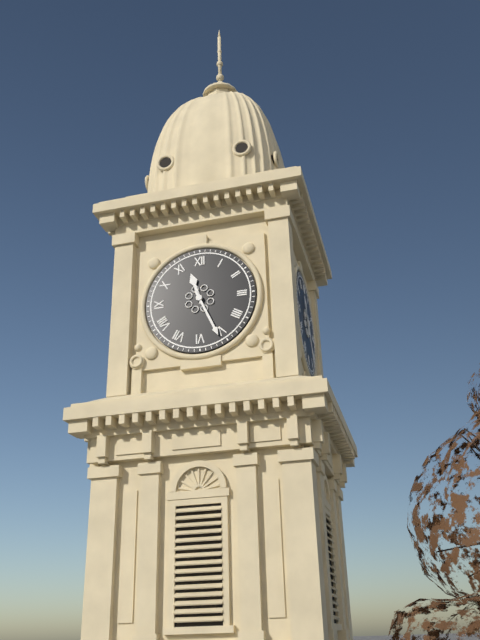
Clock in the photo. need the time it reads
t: 11:26
